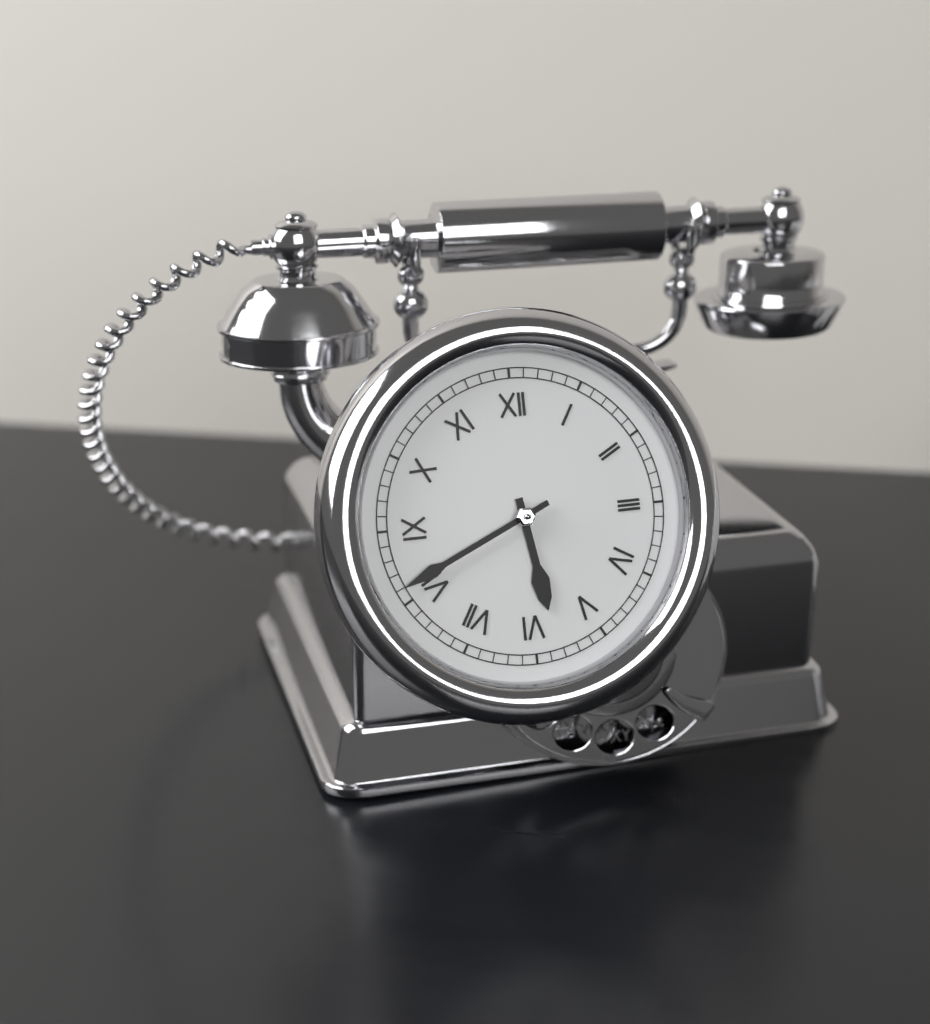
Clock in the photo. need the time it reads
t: 5:41
